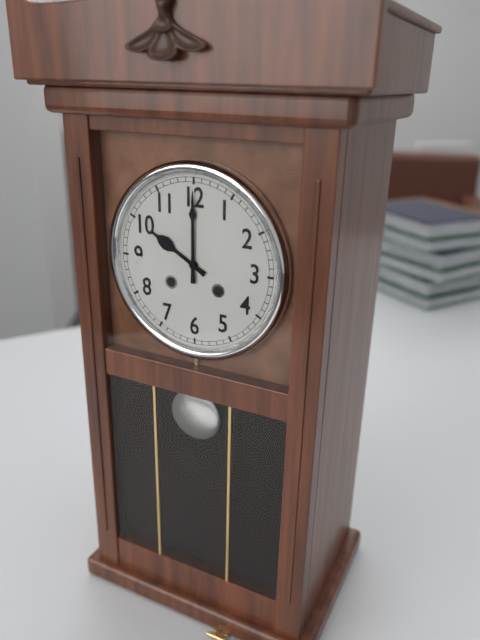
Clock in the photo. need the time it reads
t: 10:00
